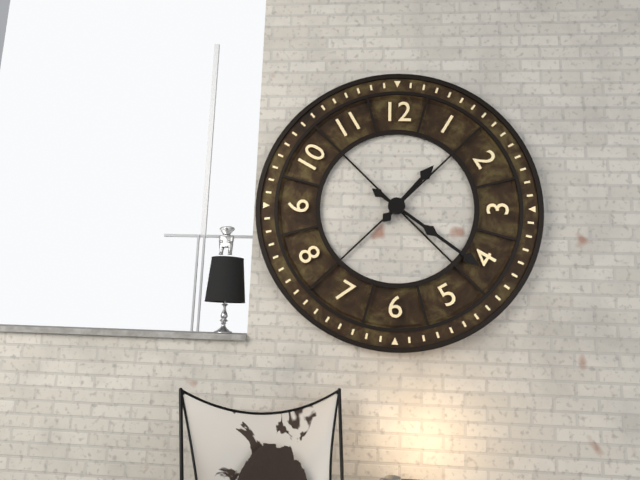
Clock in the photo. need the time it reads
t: 1:21
